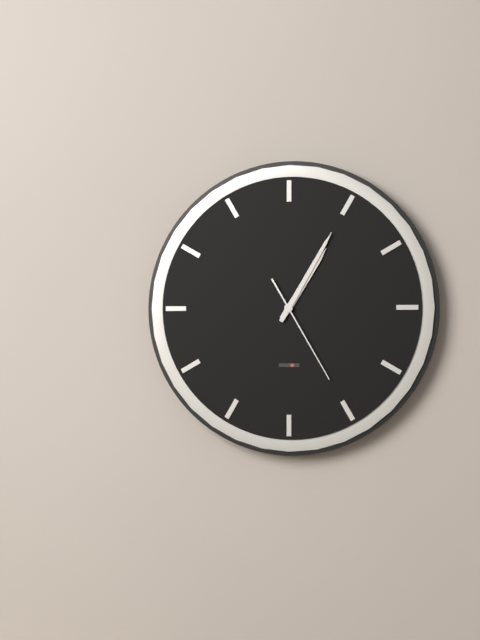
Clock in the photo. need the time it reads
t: 1:05:25
